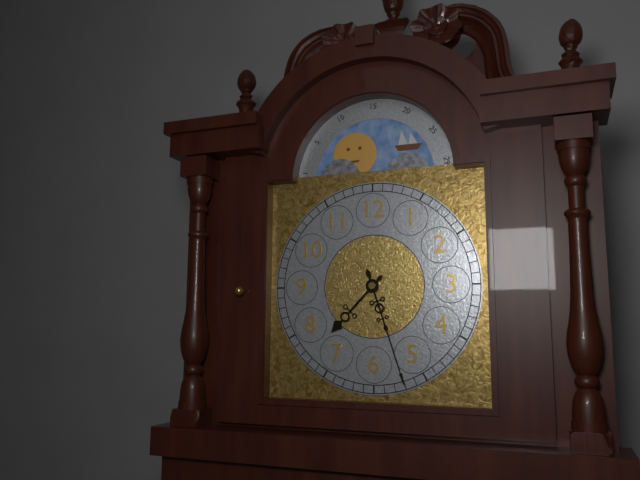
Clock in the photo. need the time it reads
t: 7:27
